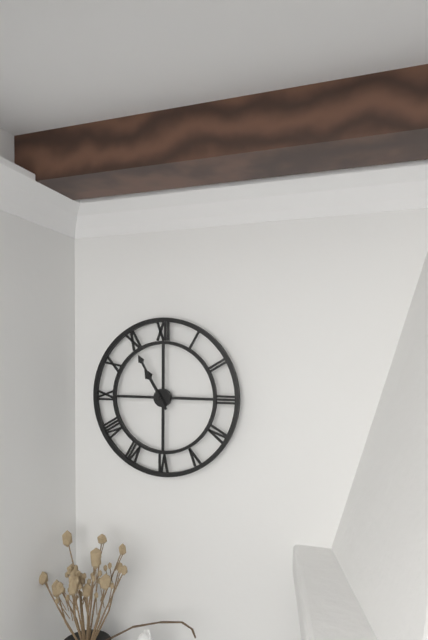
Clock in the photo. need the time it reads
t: 10:55
